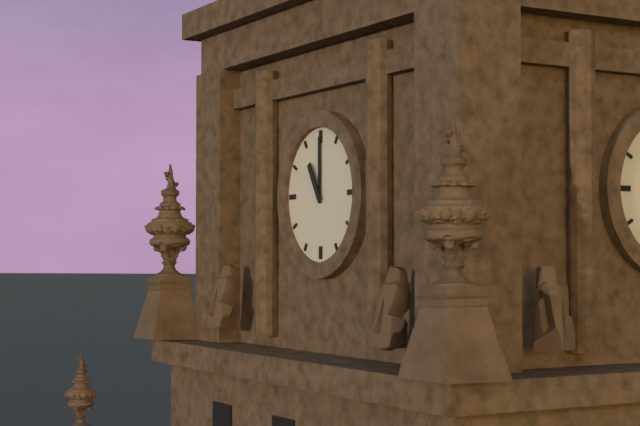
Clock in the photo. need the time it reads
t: 11:00
